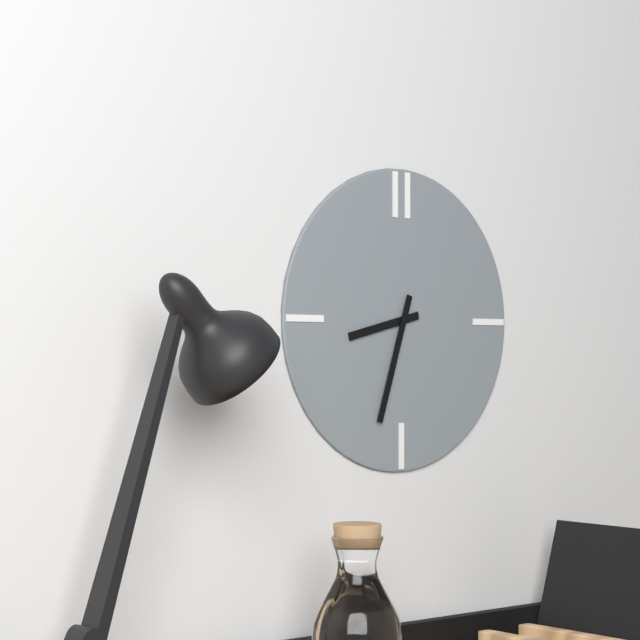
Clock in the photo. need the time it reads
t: 8:33
